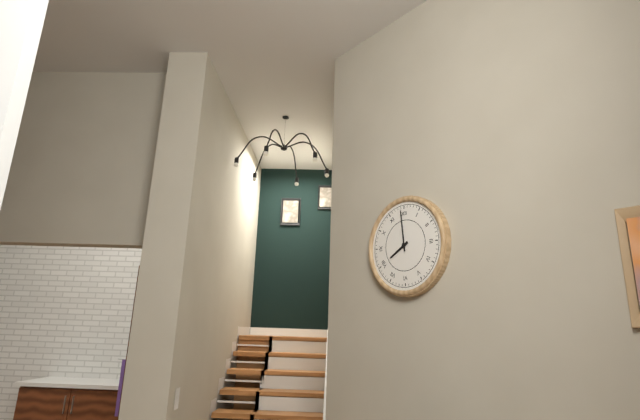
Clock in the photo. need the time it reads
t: 7:59
